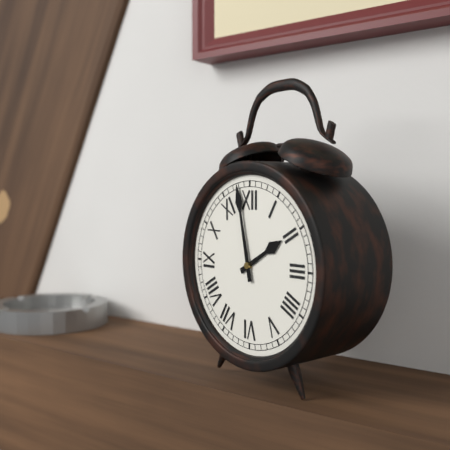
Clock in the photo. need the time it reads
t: 1:58
